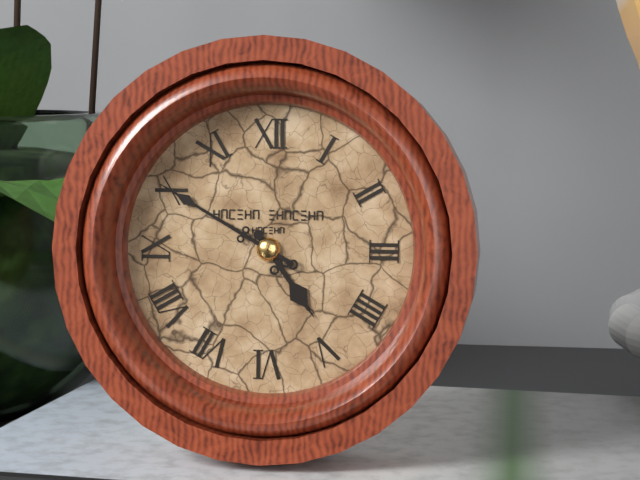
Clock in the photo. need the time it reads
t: 4:50
